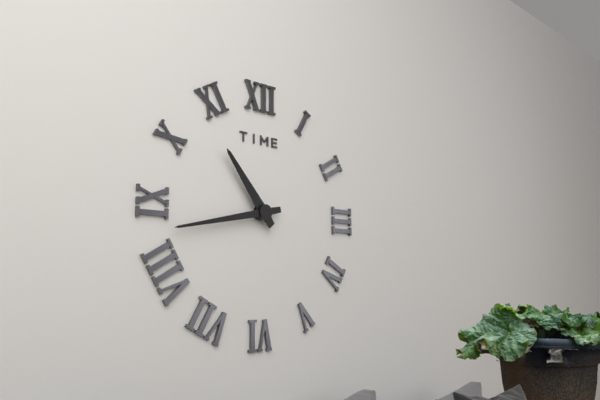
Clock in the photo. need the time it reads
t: 10:43
